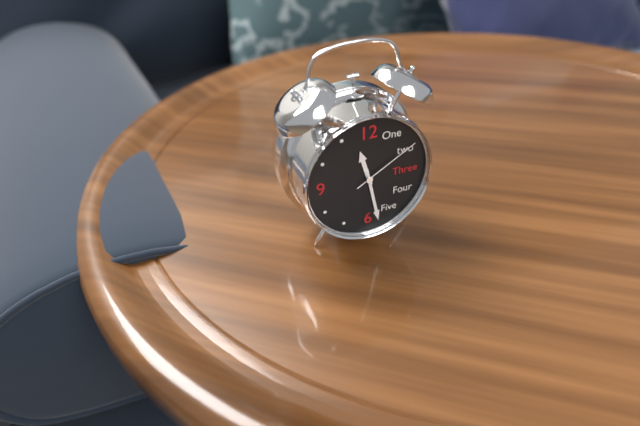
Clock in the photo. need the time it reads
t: 11:28:10
